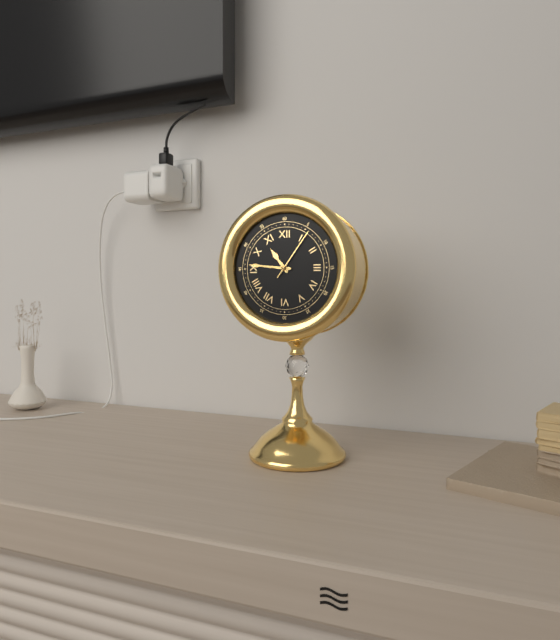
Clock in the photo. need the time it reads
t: 10:46:06
